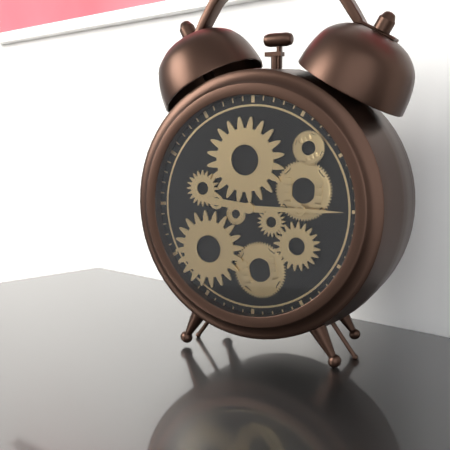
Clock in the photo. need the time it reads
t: 9:15
